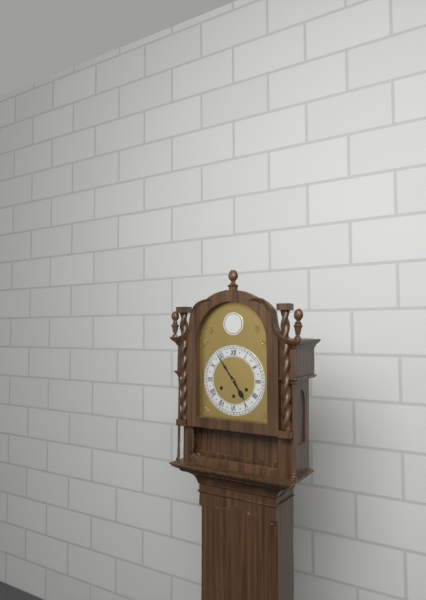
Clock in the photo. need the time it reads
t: 4:54
